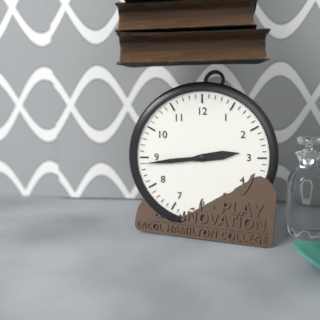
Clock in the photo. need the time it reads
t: 2:44
